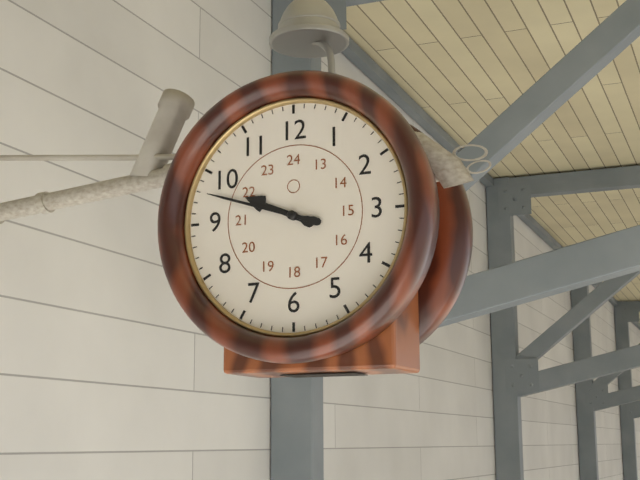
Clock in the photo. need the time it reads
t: 9:48
